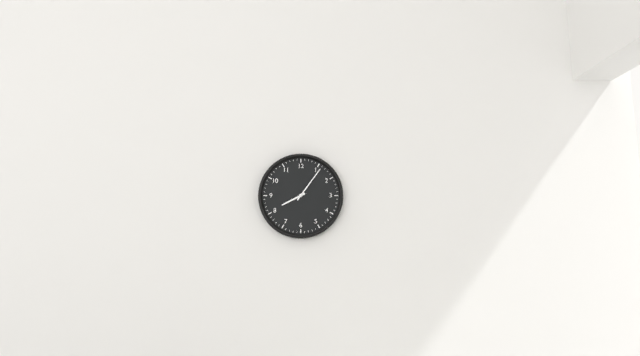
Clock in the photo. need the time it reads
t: 8:06
